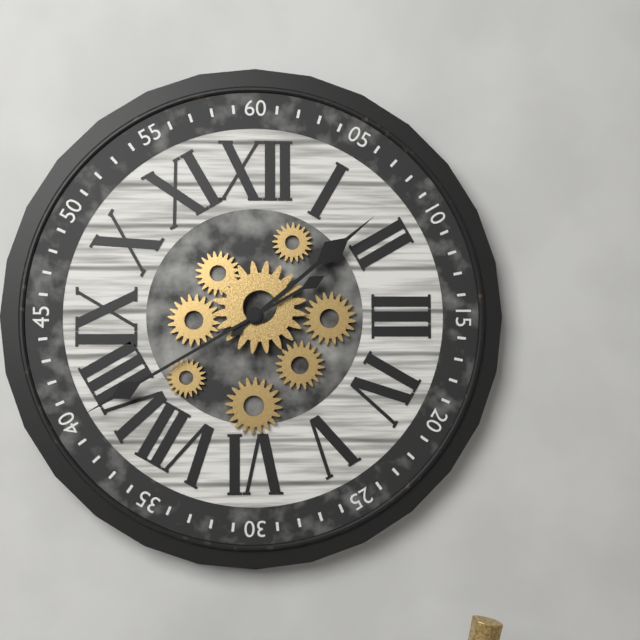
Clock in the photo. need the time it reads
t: 1:40
